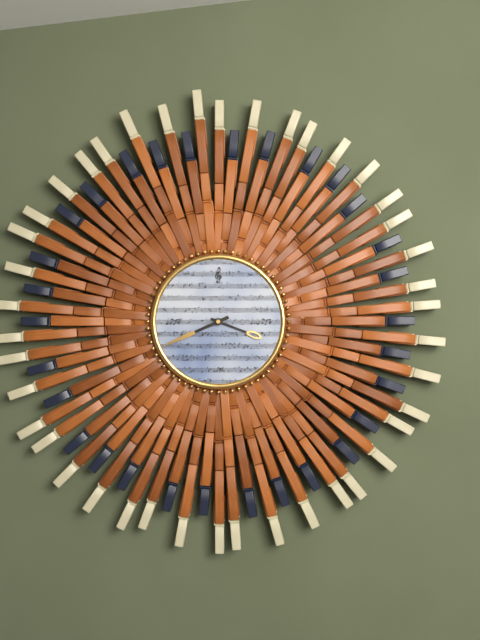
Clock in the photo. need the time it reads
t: 3:41
